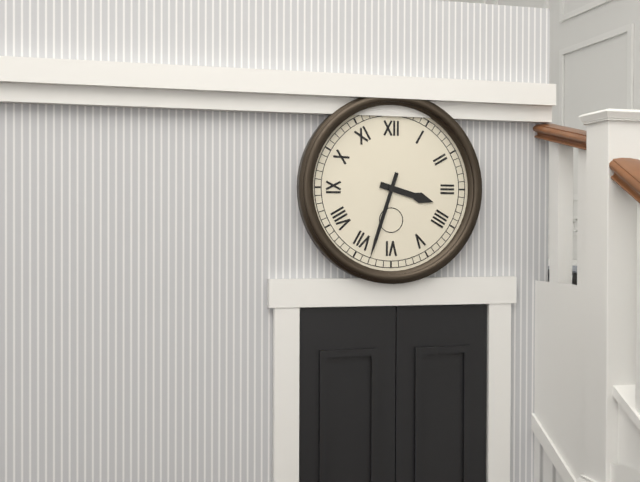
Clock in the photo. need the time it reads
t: 3:33
